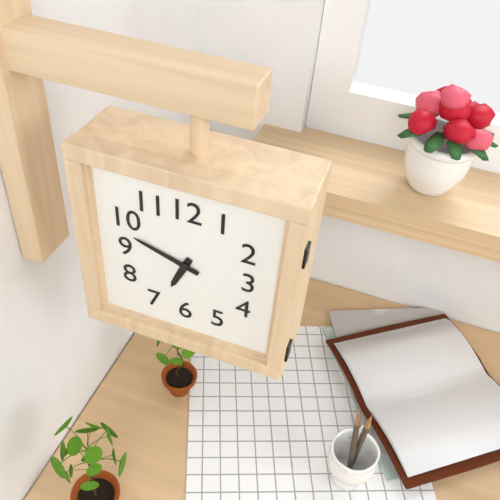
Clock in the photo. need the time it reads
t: 6:48
